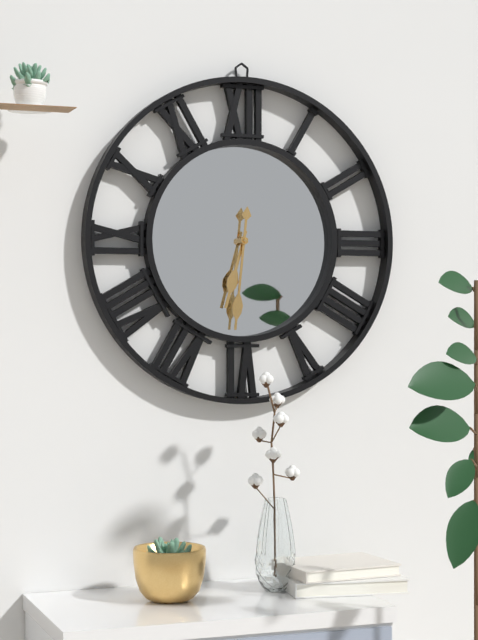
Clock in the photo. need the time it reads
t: 6:31
